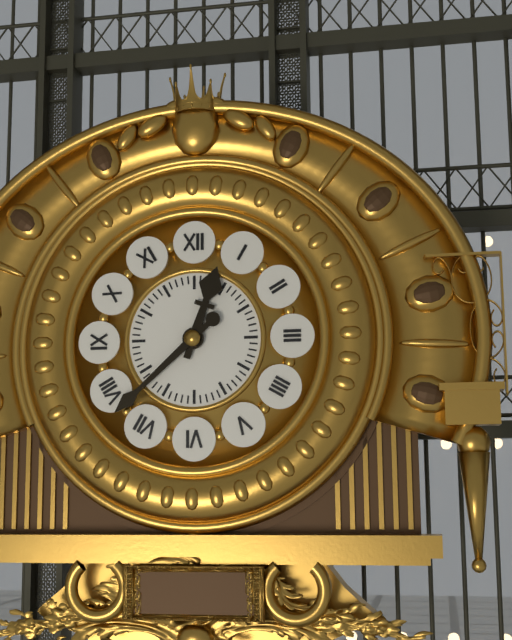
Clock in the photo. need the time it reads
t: 12:38
